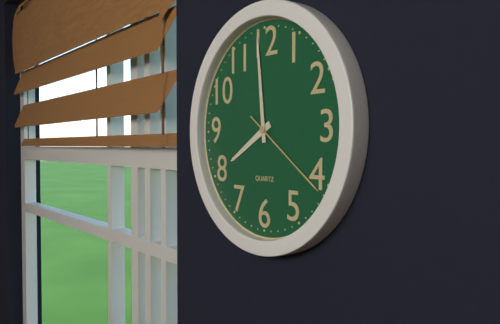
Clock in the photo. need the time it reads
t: 7:59:21
